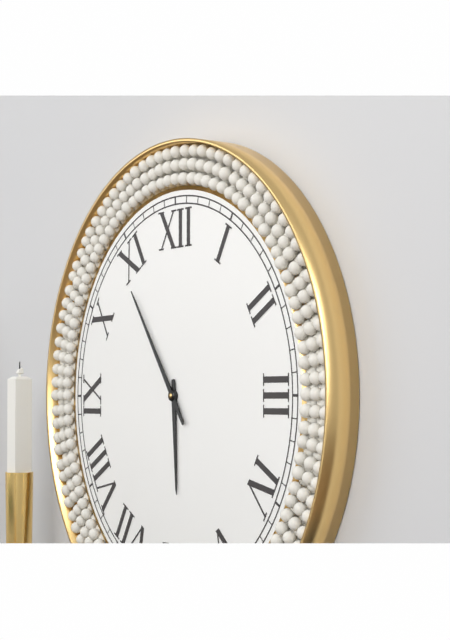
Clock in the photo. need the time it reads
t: 5:54
